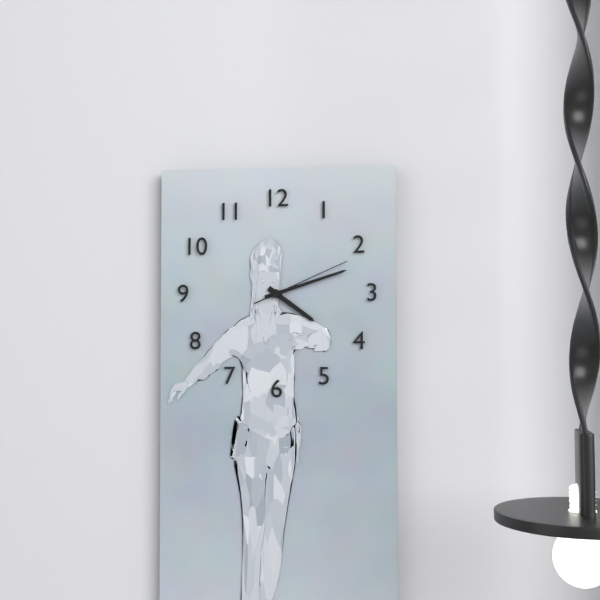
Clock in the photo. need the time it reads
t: 4:12:11
